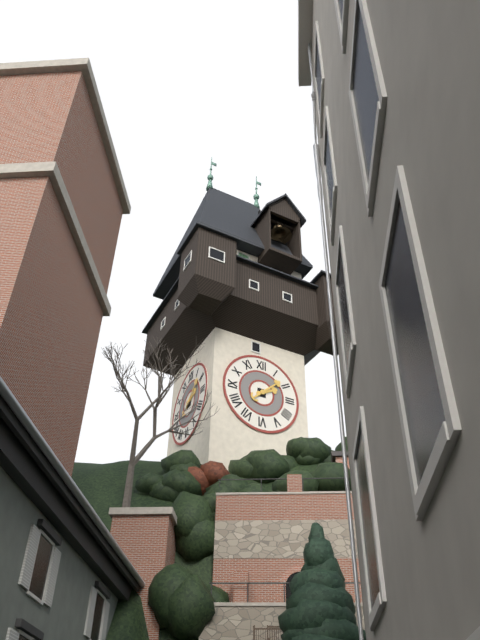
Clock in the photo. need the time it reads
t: 2:08
